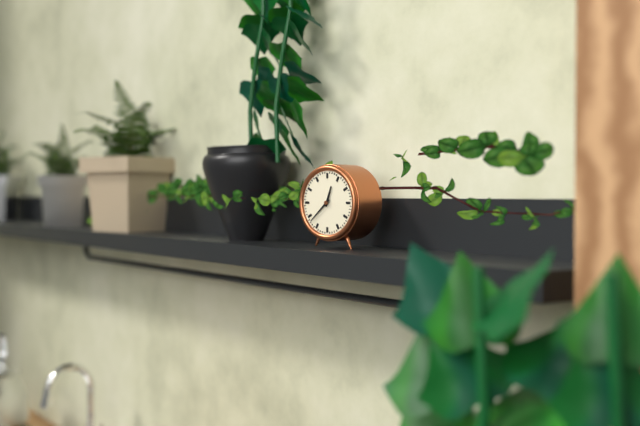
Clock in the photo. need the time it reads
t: 12:38
